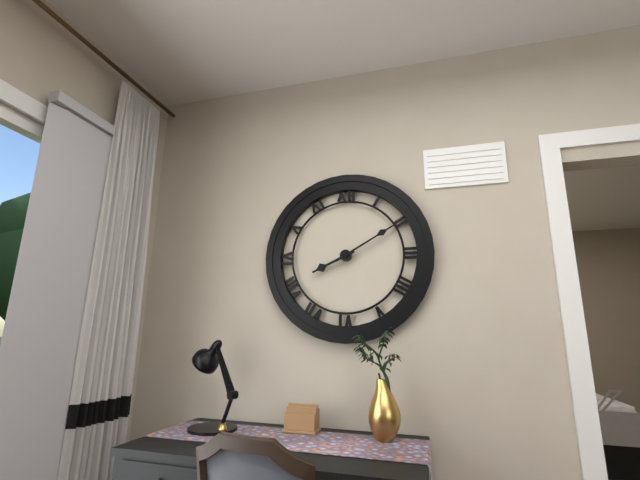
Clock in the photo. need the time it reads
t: 8:10
